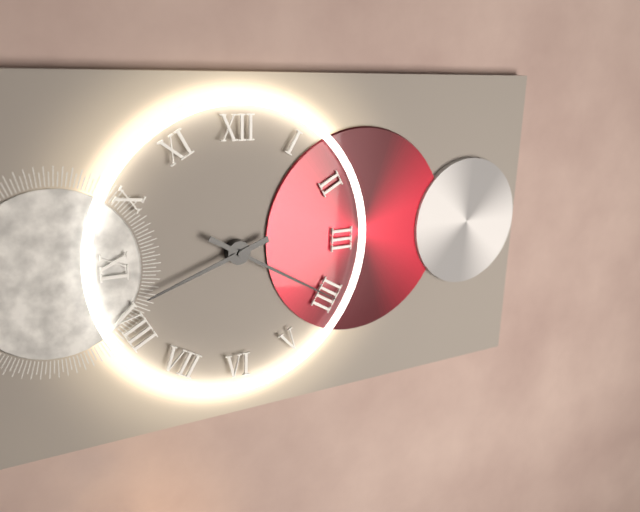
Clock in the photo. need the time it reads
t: 8:20
